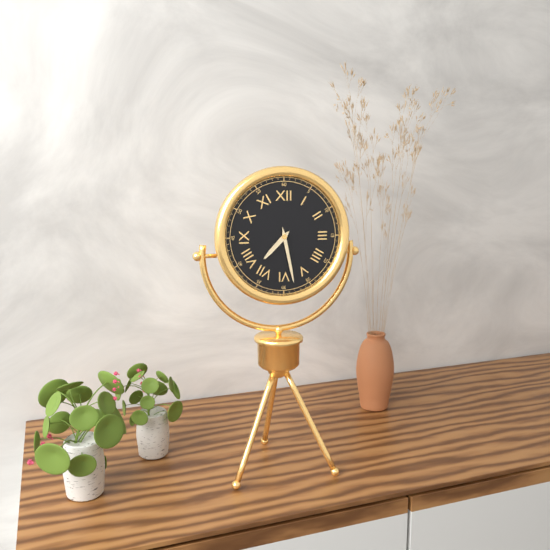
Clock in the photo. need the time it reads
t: 7:28
